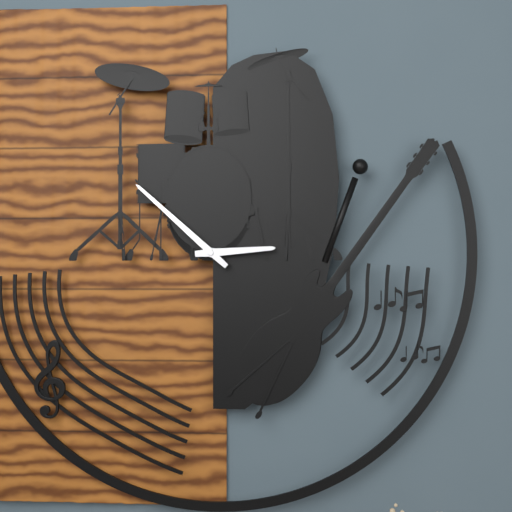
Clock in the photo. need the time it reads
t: 2:52
